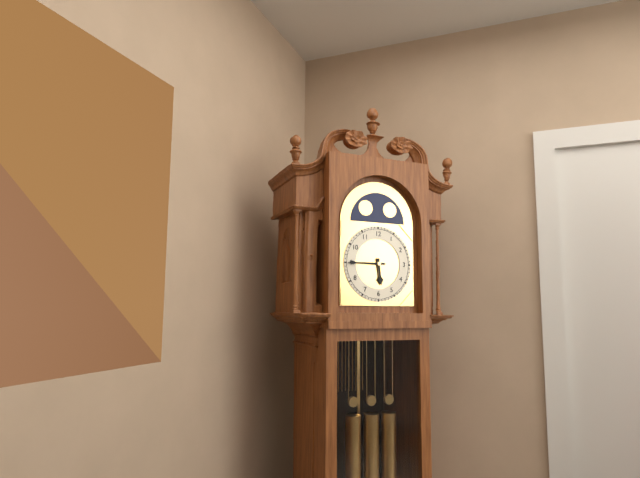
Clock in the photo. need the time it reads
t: 5:45
